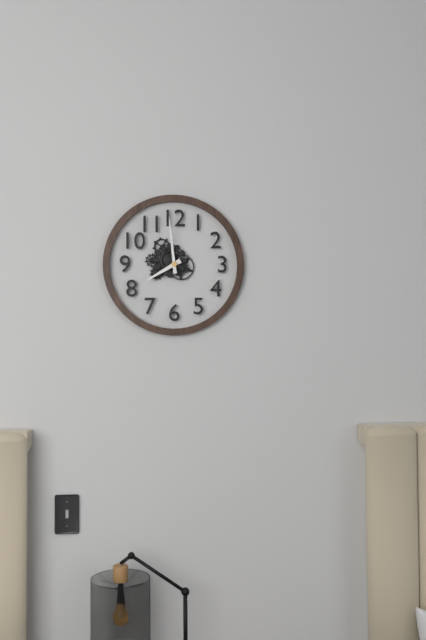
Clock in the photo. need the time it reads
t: 7:59
